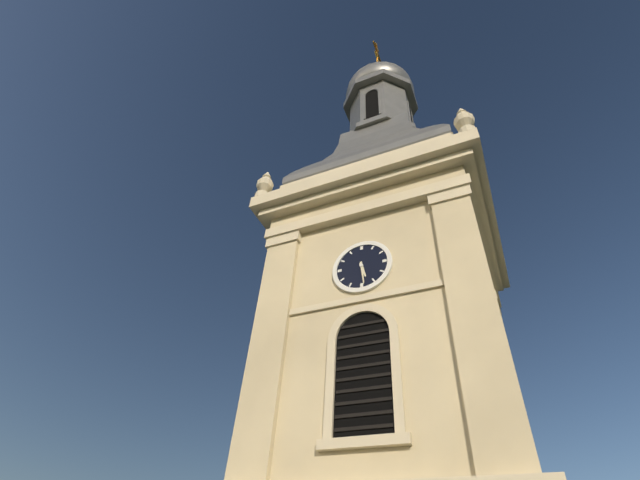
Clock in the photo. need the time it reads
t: 5:29
